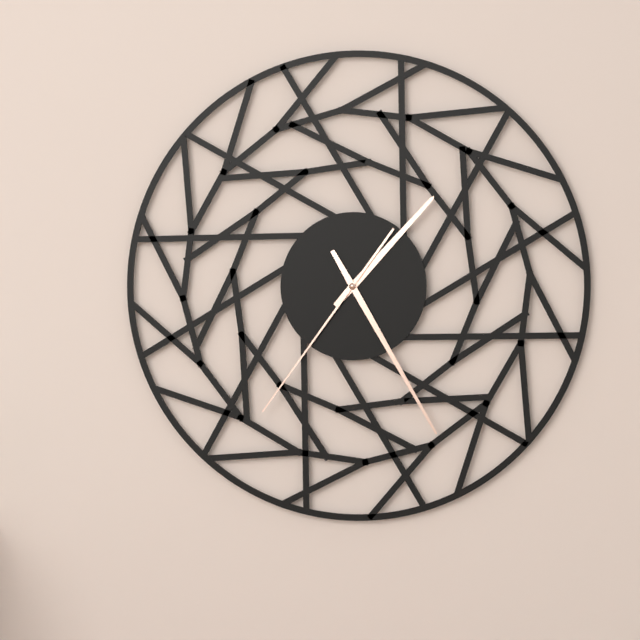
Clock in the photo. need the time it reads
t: 1:25:36
